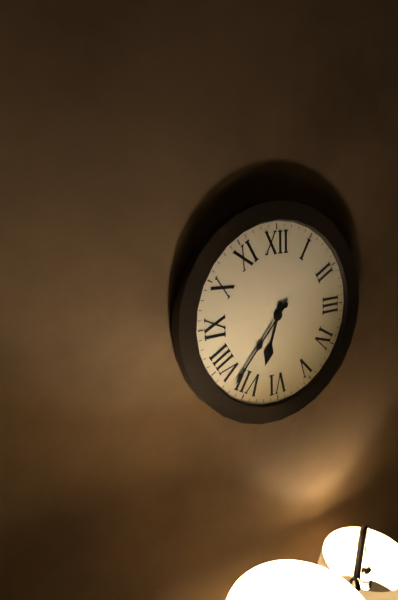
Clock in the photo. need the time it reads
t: 6:37
